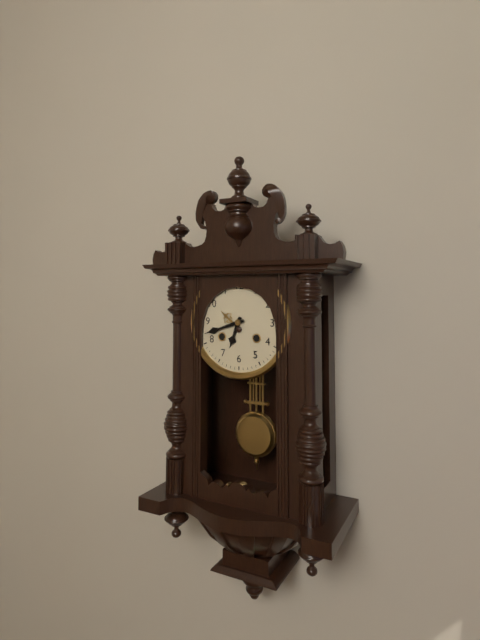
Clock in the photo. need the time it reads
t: 6:42
